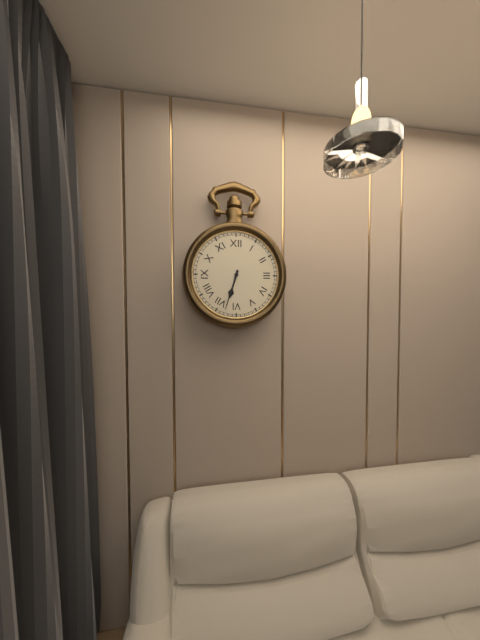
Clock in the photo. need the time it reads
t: 6:33
